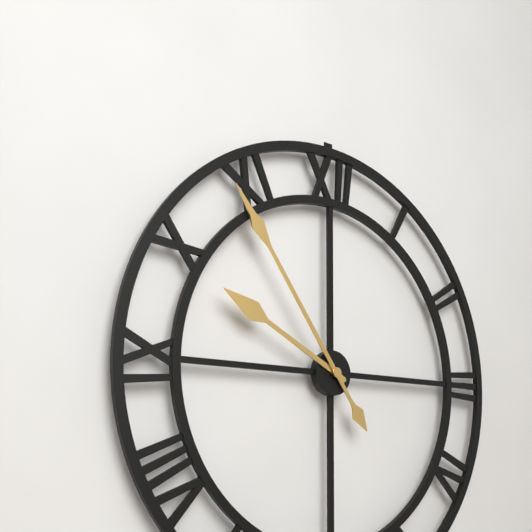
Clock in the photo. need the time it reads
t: 9:54
